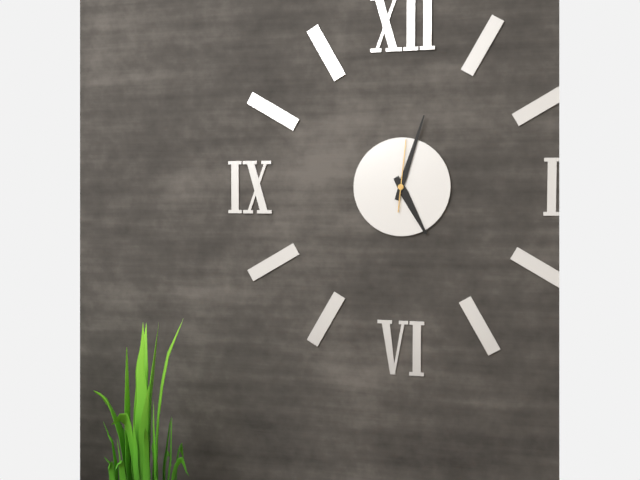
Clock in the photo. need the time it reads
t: 5:03:01
